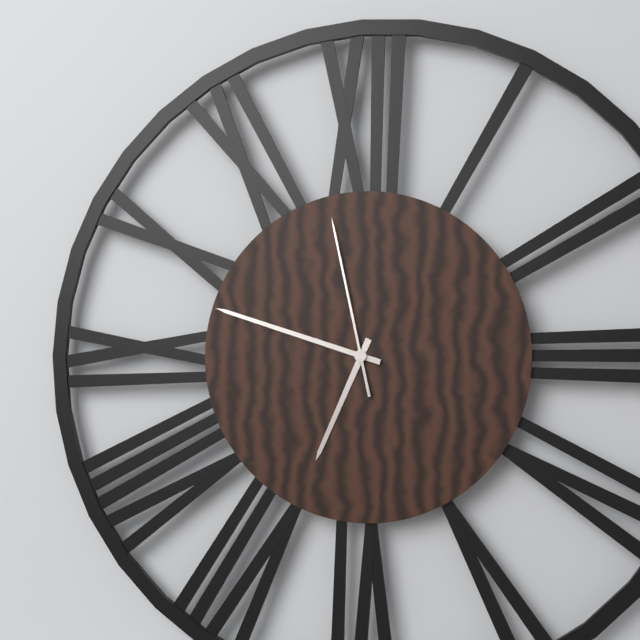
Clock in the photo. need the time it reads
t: 6:48:58
